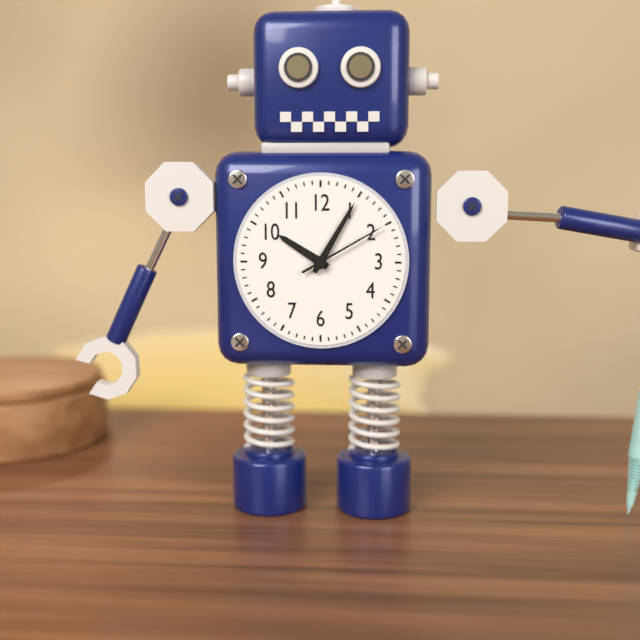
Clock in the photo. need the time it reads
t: 10:05:10
